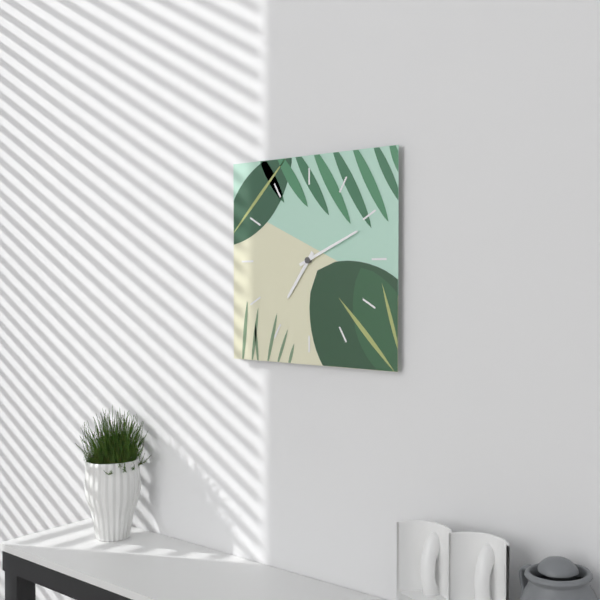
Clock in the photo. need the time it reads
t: 7:11
